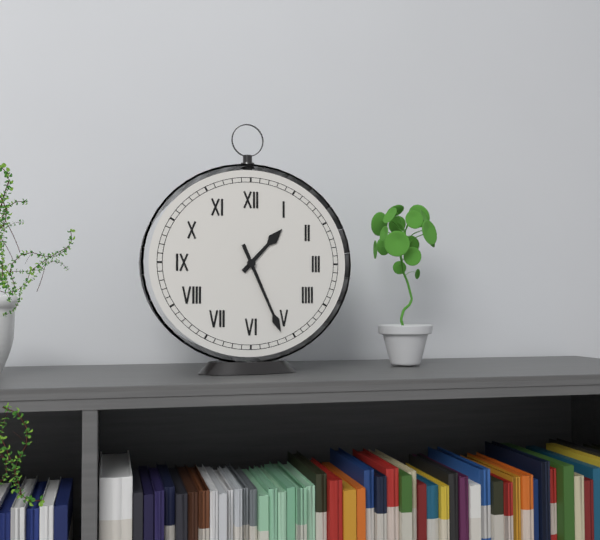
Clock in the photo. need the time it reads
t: 1:26
